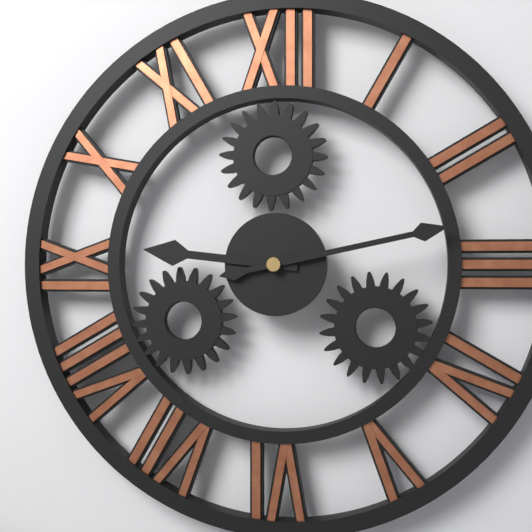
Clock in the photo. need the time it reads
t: 9:13
